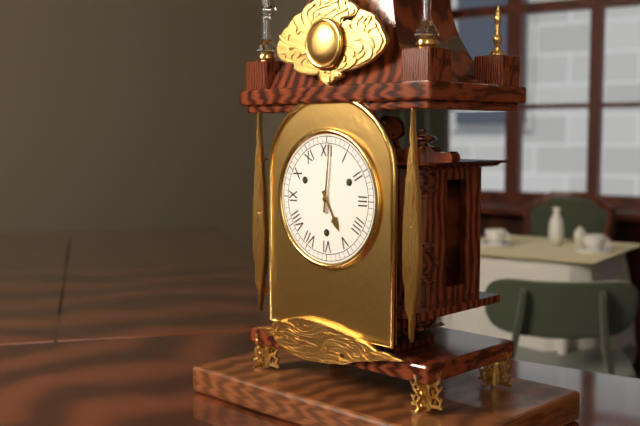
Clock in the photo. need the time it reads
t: 5:01
